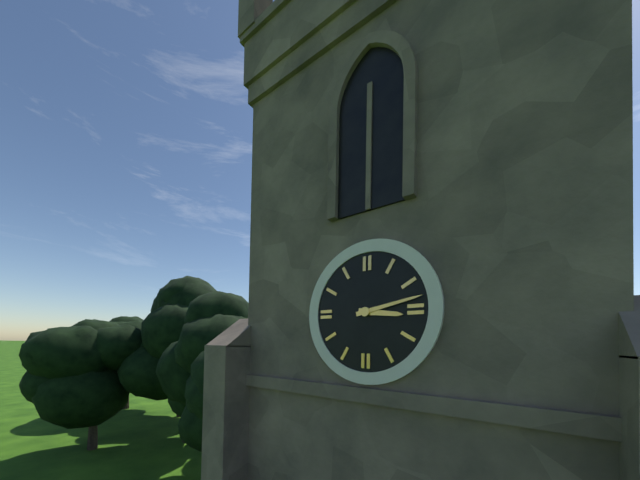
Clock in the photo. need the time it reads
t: 3:13
